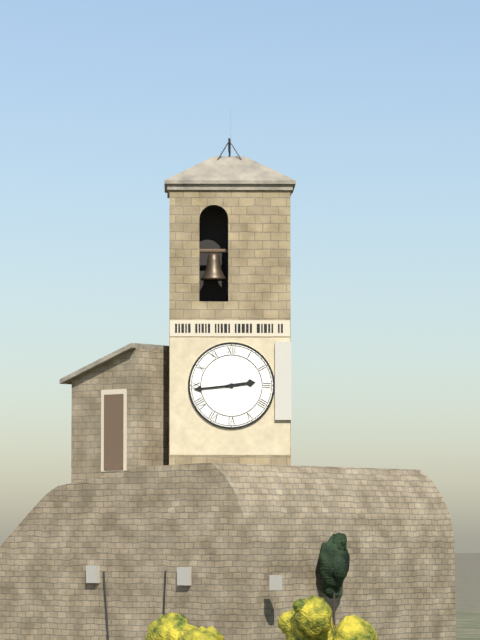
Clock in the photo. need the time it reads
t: 2:44
